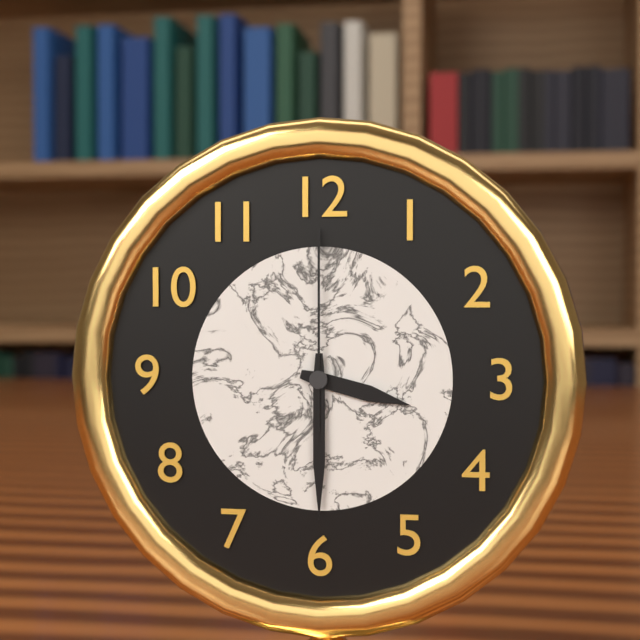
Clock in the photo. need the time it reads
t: 3:30:00
